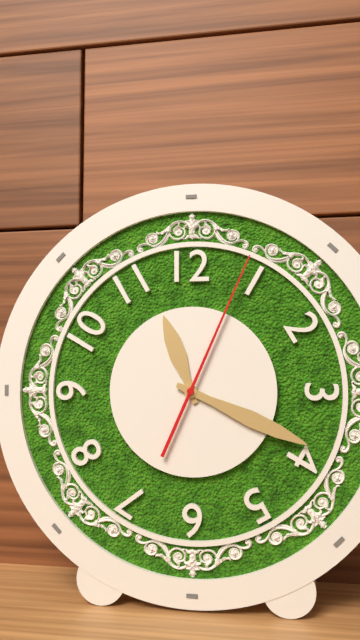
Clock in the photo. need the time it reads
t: 11:19:04
